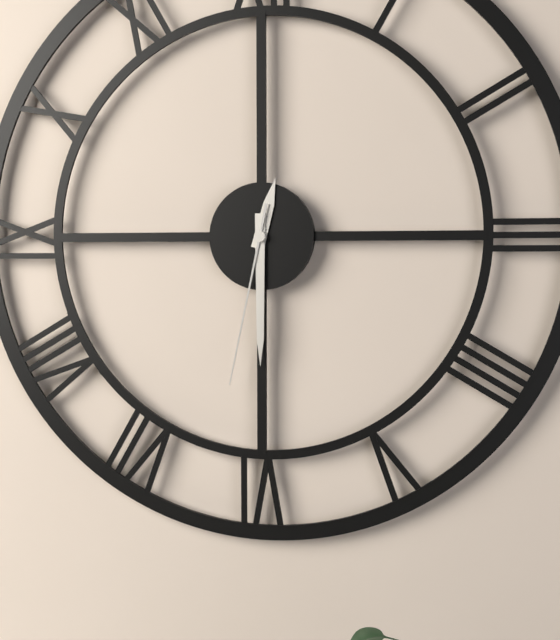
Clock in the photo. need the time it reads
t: 12:30:32
